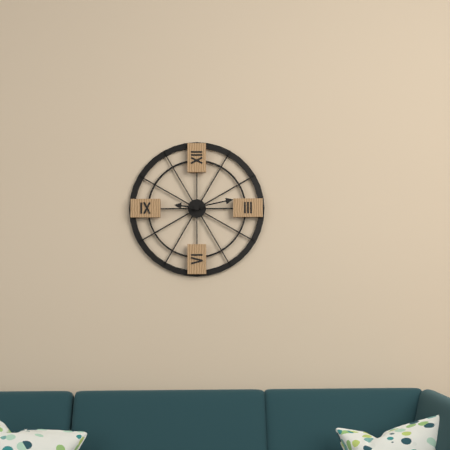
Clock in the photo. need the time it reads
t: 9:13
